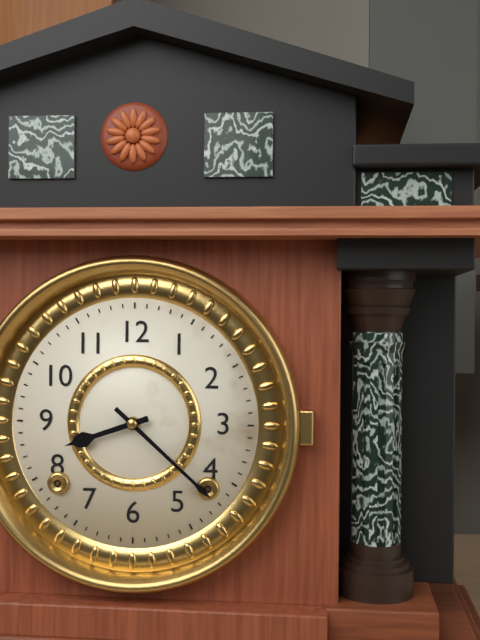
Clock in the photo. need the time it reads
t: 8:22
